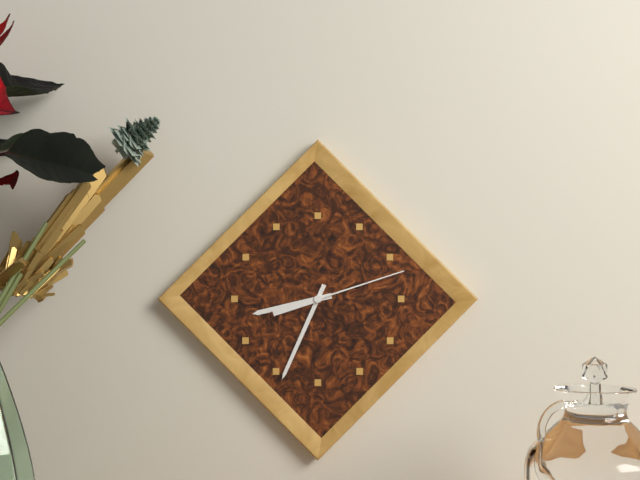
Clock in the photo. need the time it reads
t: 8:34:12
